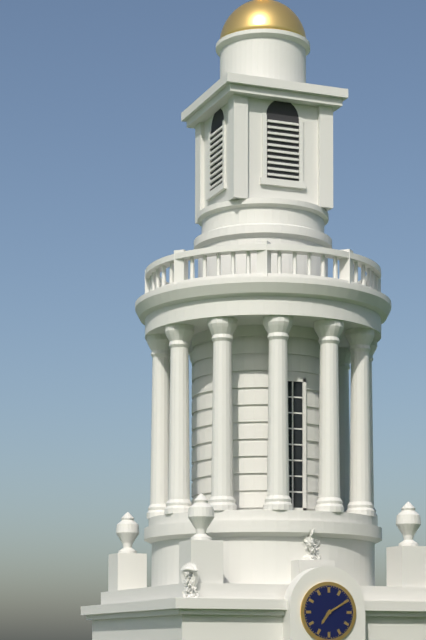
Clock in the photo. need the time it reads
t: 7:10
